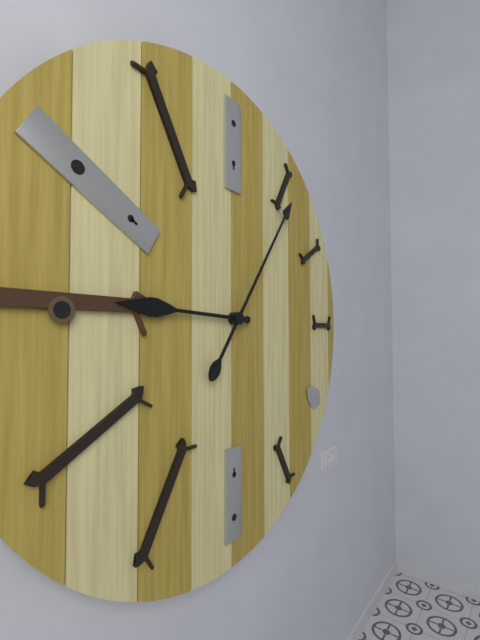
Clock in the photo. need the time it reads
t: 9:06
